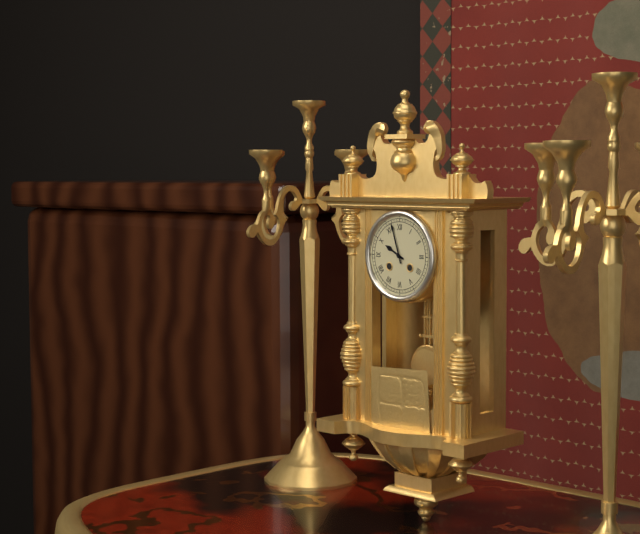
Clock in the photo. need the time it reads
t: 9:57
